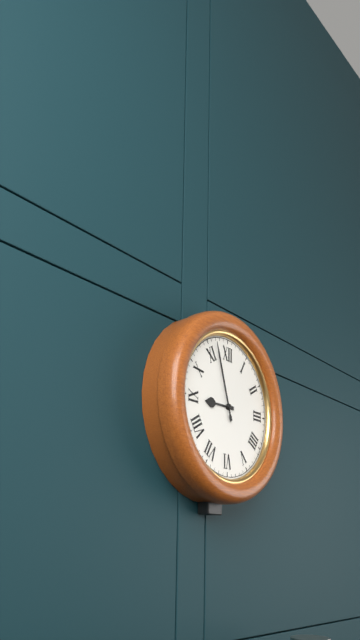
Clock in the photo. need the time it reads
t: 8:57
